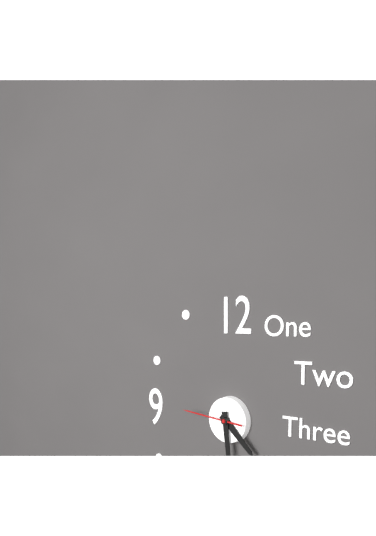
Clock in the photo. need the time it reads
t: 4:29:46
